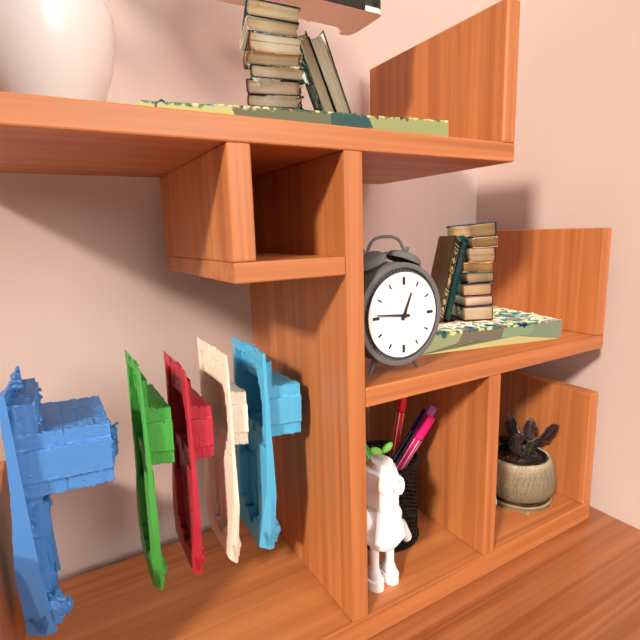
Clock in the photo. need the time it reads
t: 12:46
